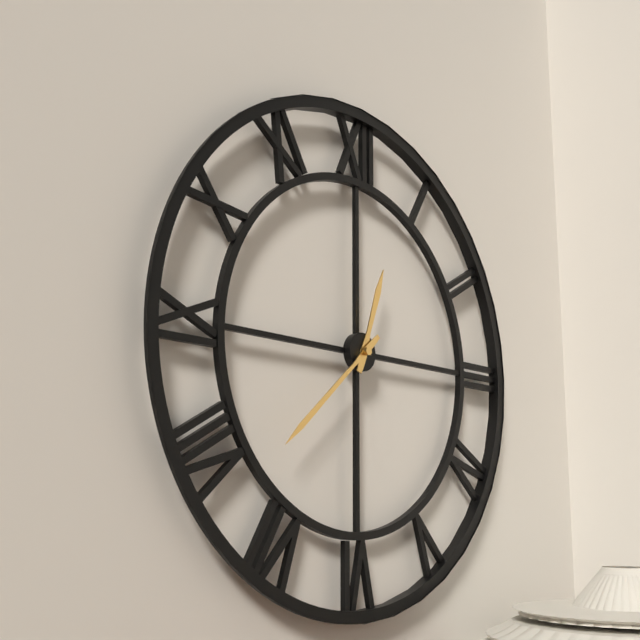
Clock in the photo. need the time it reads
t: 12:38
